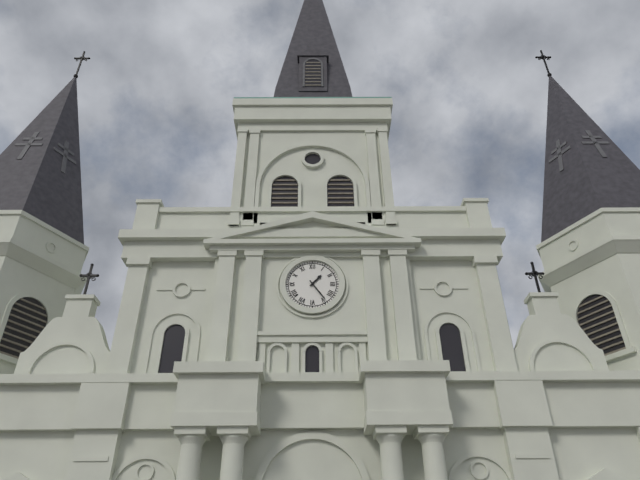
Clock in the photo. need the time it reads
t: 1:24
